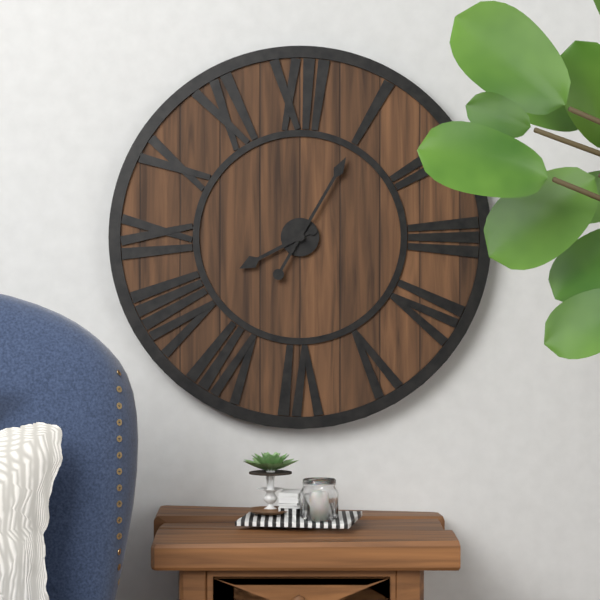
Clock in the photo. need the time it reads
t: 8:05
